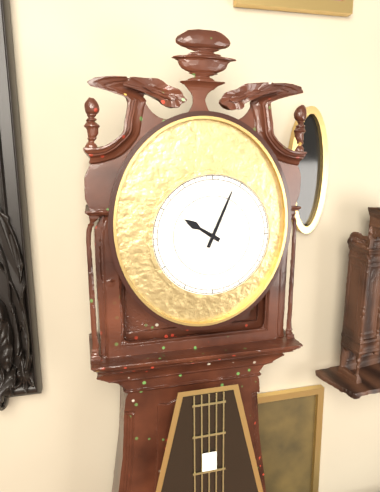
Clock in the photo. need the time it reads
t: 10:04
